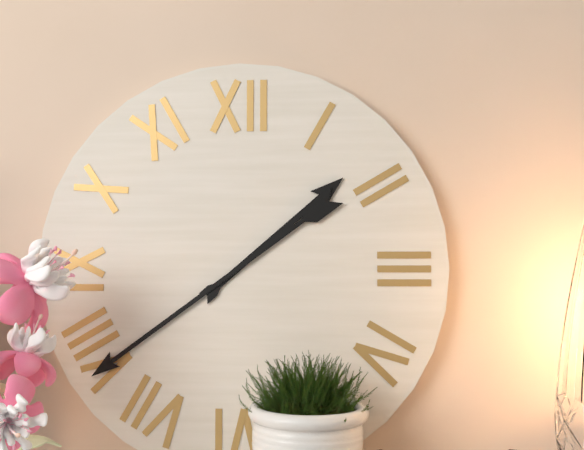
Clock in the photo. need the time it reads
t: 1:39
